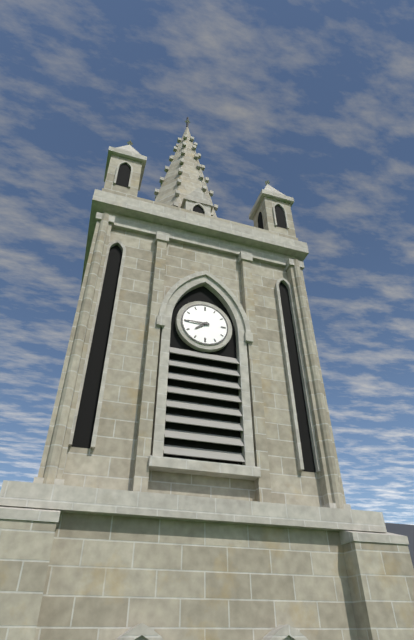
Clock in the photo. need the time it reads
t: 7:45
